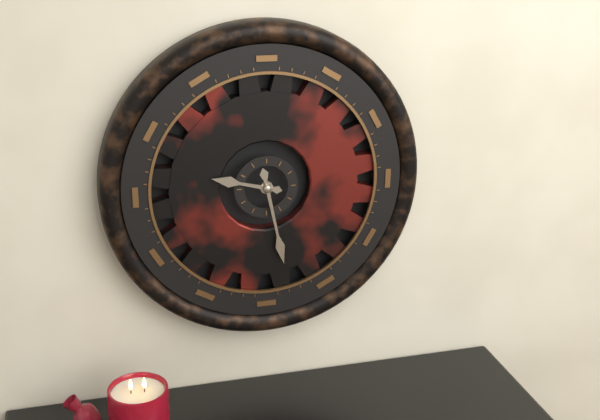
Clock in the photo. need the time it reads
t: 9:28
